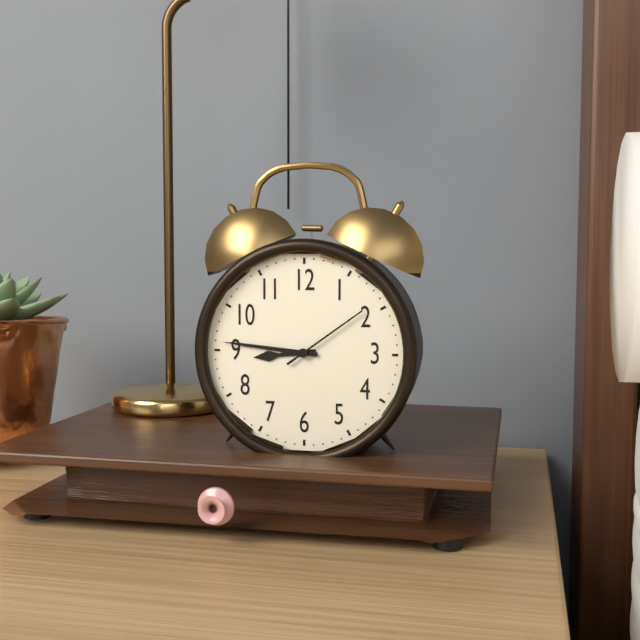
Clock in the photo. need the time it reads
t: 8:46:09
